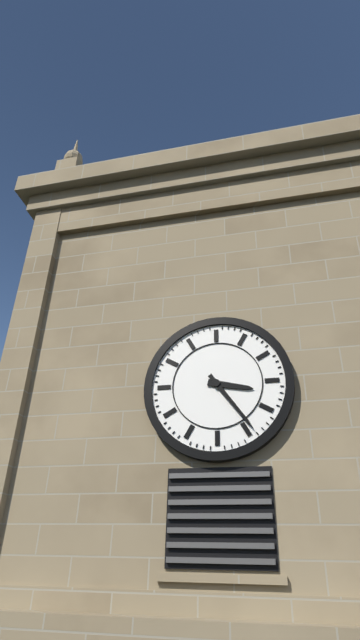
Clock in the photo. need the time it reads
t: 3:24
